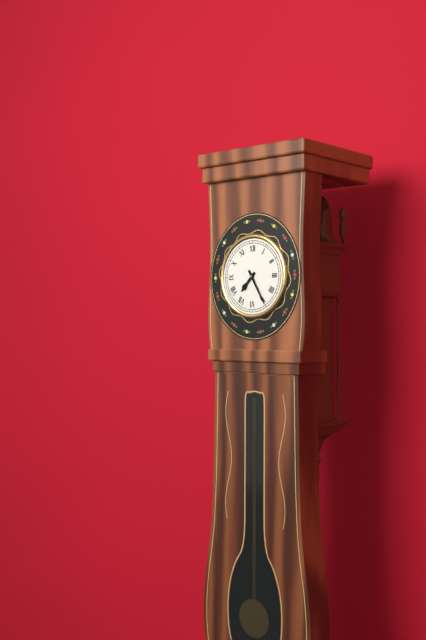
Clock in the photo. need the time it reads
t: 7:25
